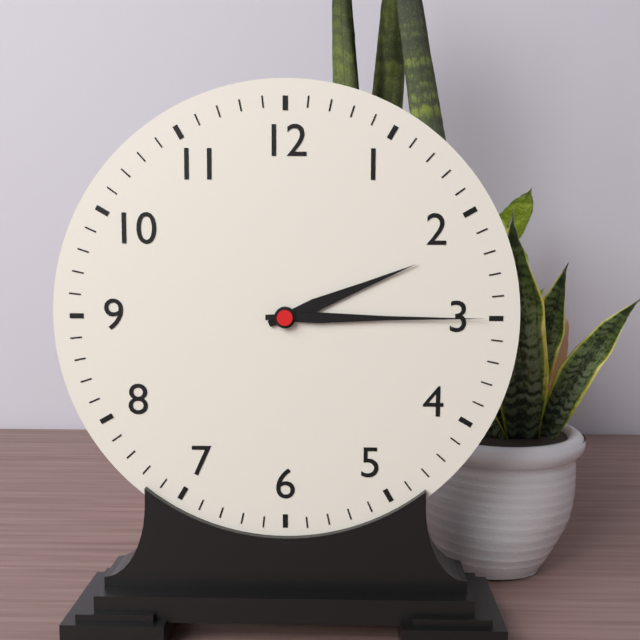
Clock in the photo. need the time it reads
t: 2:15
